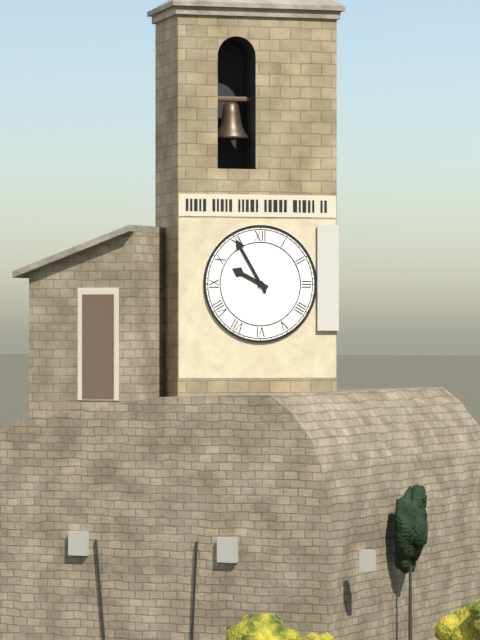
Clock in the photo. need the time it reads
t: 9:55
